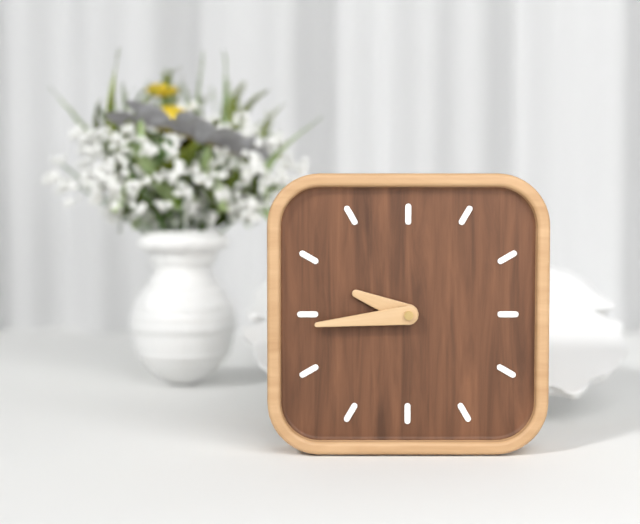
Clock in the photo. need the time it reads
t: 9:44
